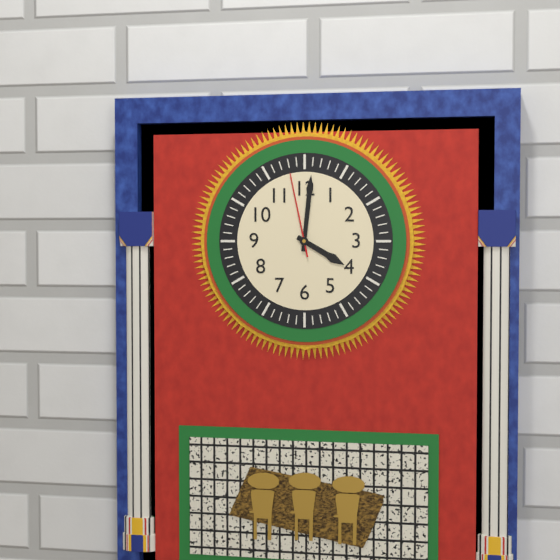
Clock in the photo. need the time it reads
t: 4:01:58
